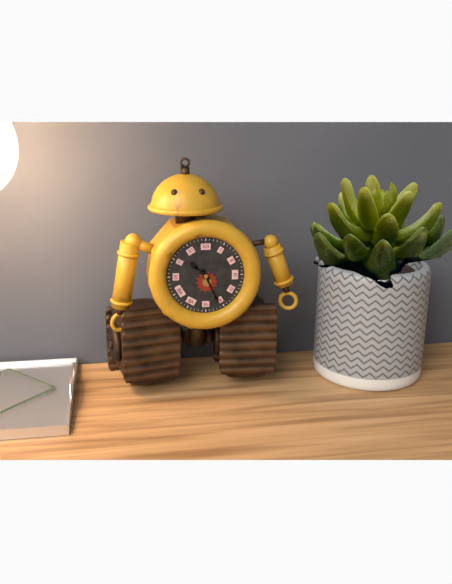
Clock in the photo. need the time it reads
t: 10:26
